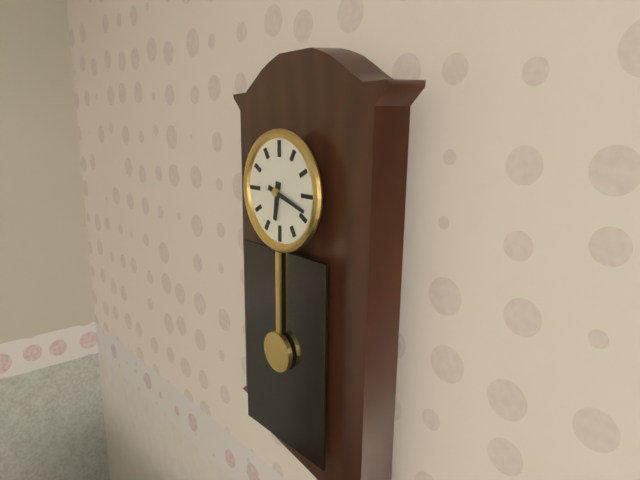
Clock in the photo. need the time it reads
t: 6:18
